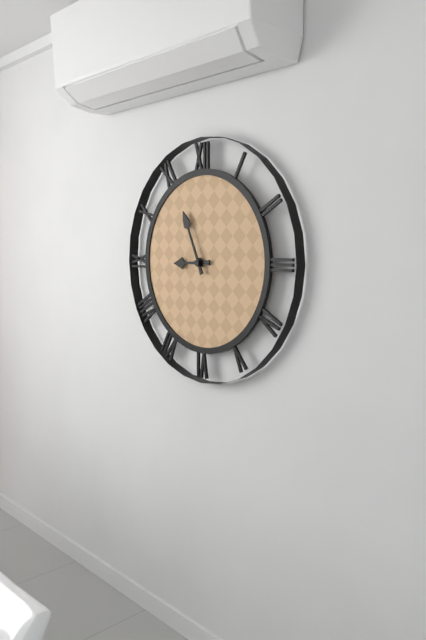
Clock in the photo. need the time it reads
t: 8:56
